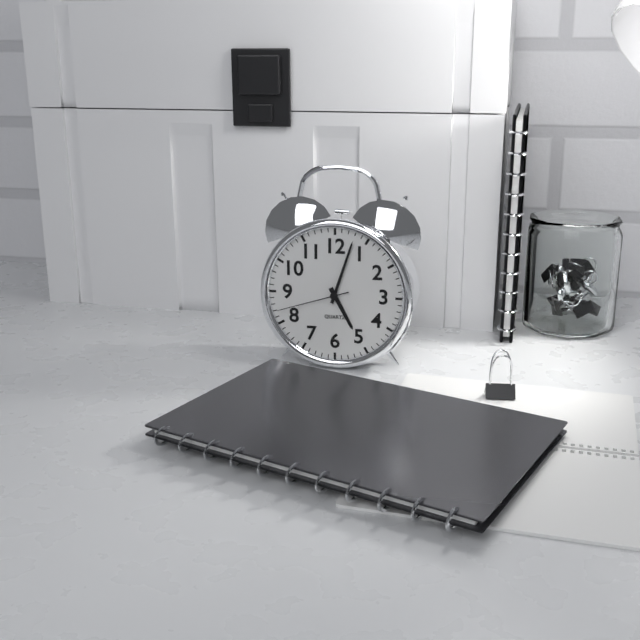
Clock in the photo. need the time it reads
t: 5:03:42
